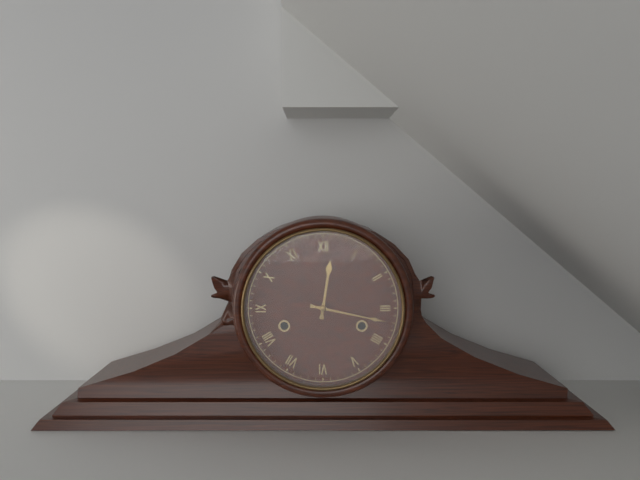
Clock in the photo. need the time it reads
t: 12:17
